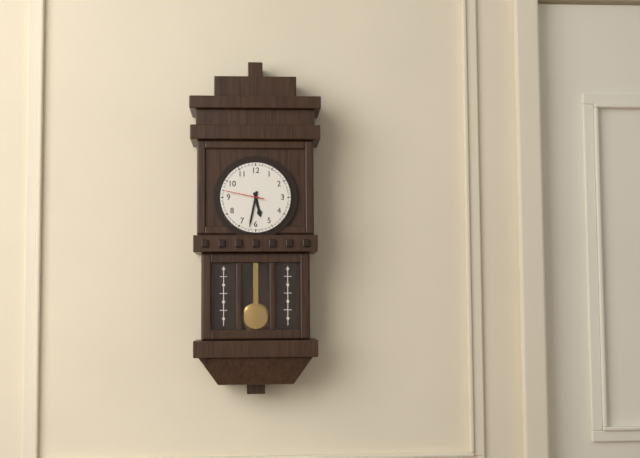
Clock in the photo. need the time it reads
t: 5:32
